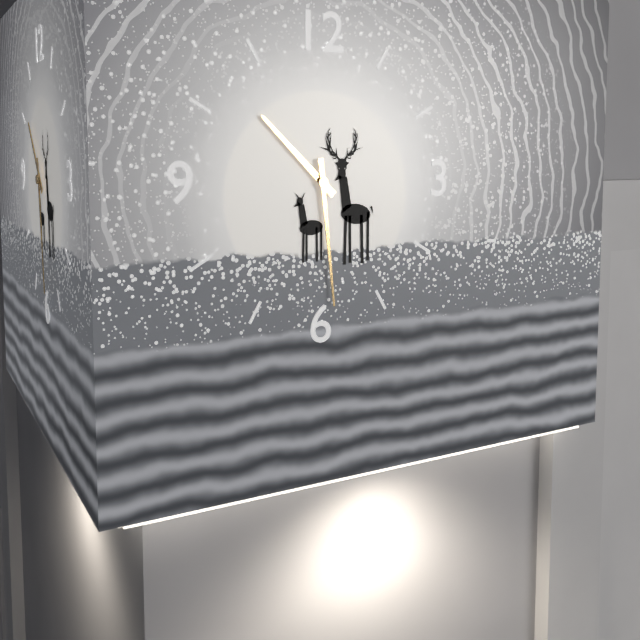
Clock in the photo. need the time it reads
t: 10:29
